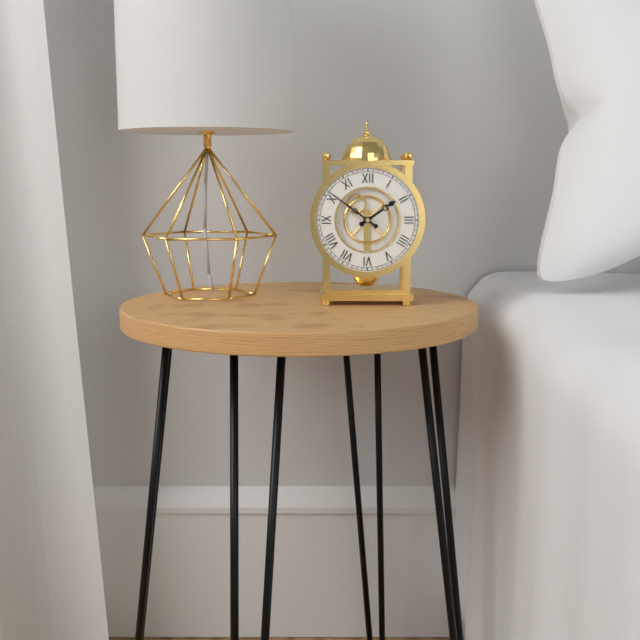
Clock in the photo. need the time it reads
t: 1:51
